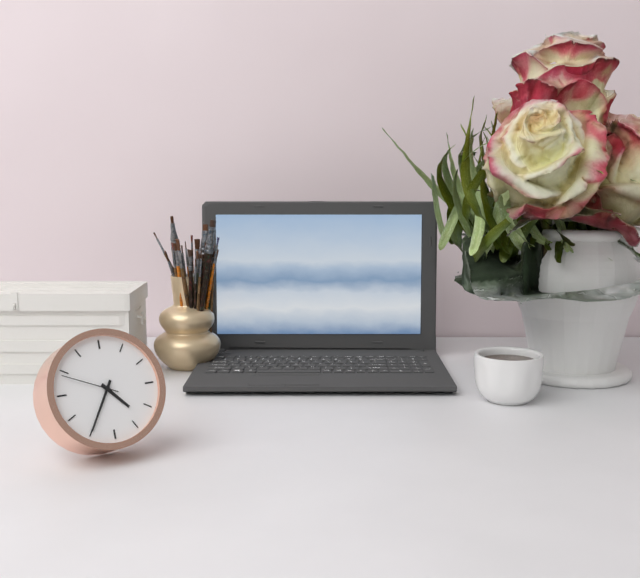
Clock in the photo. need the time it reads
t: 4:35:49
